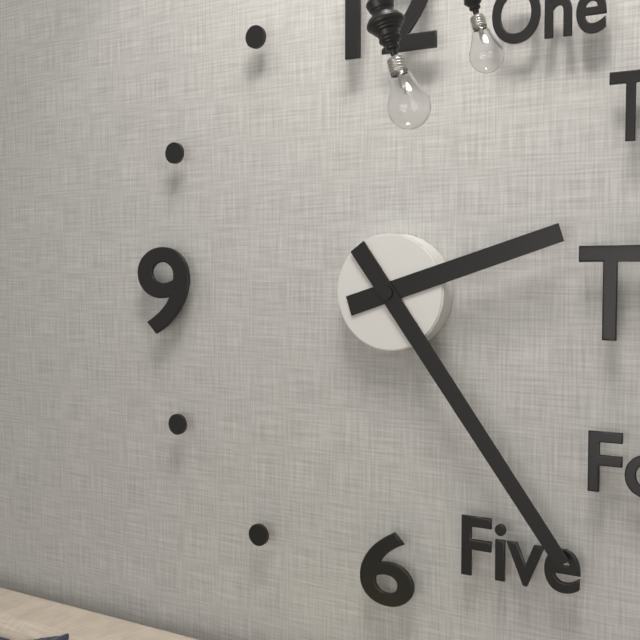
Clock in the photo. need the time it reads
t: 2:24
